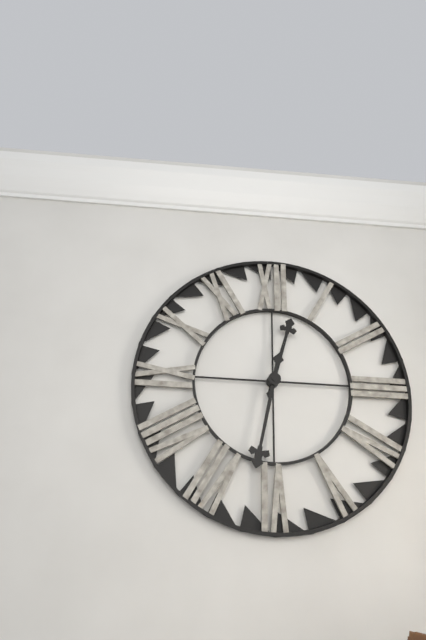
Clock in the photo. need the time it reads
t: 12:32
